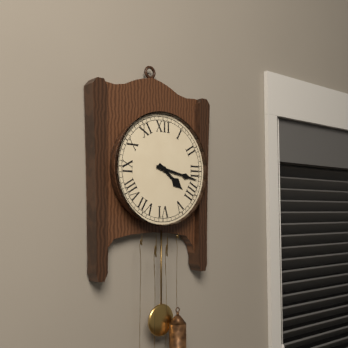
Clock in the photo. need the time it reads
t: 4:17
